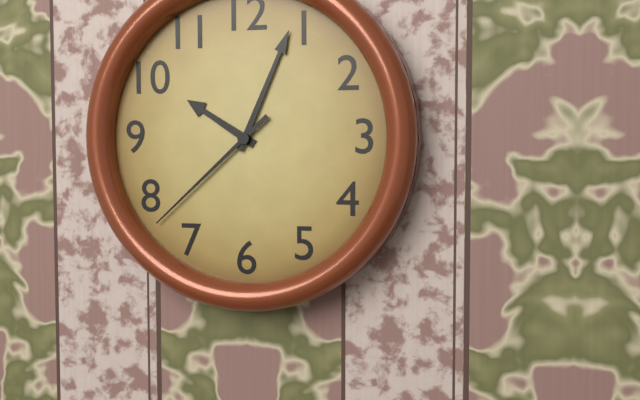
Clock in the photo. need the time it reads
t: 10:04:38
